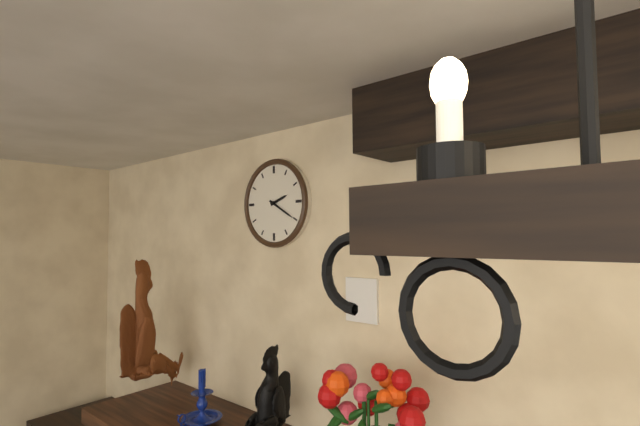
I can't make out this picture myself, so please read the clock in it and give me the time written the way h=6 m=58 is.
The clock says h=2 m=20
